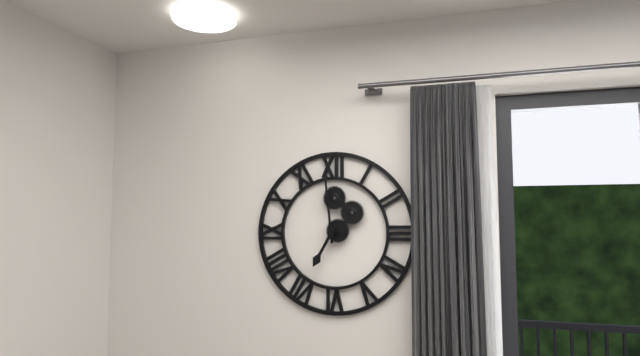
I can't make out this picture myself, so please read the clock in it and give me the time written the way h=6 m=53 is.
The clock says h=6 m=59
